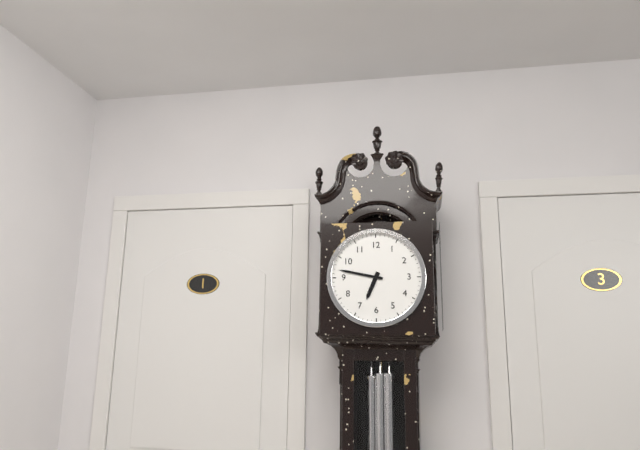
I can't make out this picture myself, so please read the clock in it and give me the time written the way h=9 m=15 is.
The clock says h=6 m=47
